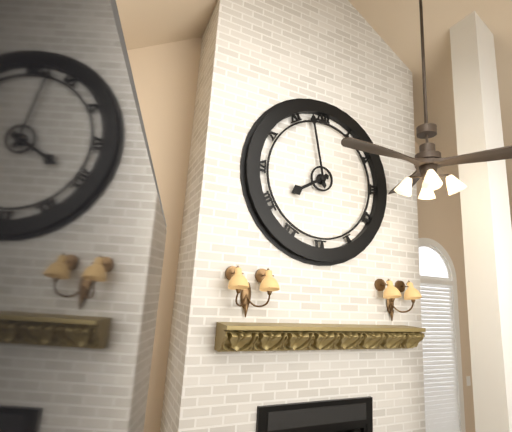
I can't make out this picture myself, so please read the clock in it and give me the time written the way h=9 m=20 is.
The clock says h=7 m=58
